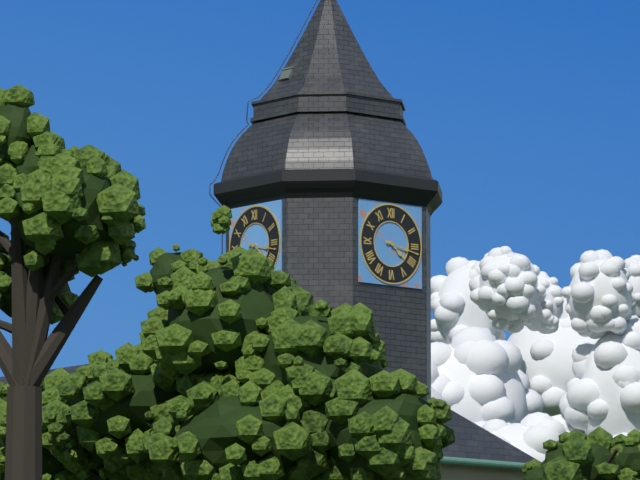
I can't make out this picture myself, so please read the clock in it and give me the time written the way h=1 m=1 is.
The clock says h=4 m=17
